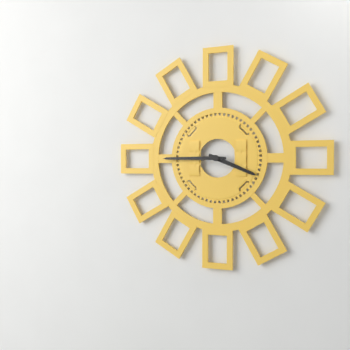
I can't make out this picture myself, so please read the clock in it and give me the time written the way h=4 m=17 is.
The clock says h=3 m=45
